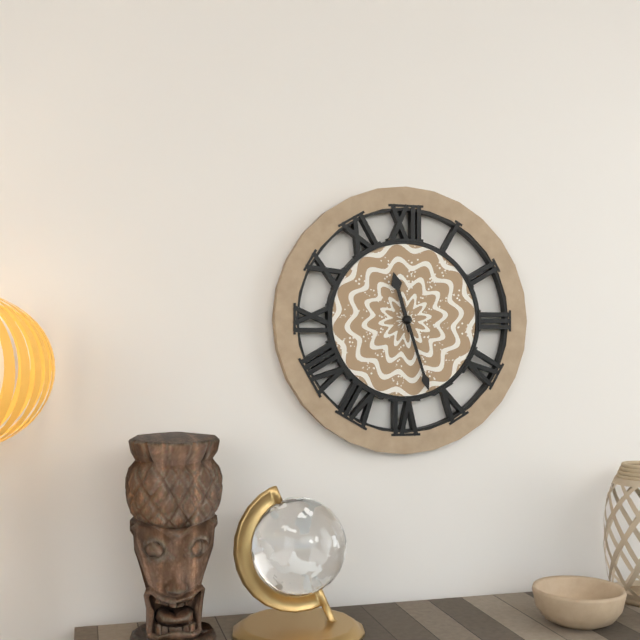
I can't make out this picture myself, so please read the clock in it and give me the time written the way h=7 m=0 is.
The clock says h=11 m=27
